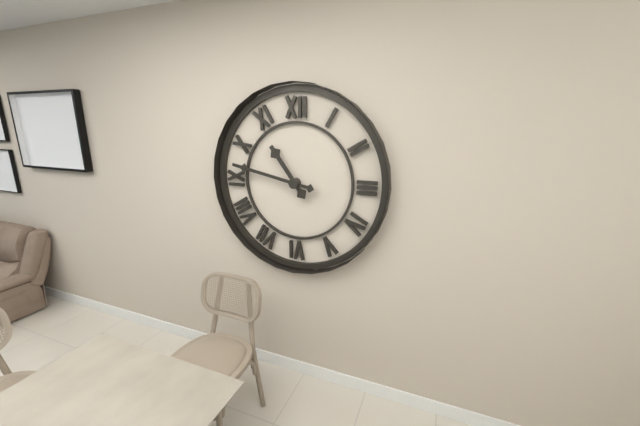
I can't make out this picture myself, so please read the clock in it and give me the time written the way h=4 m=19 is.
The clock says h=10 m=47
